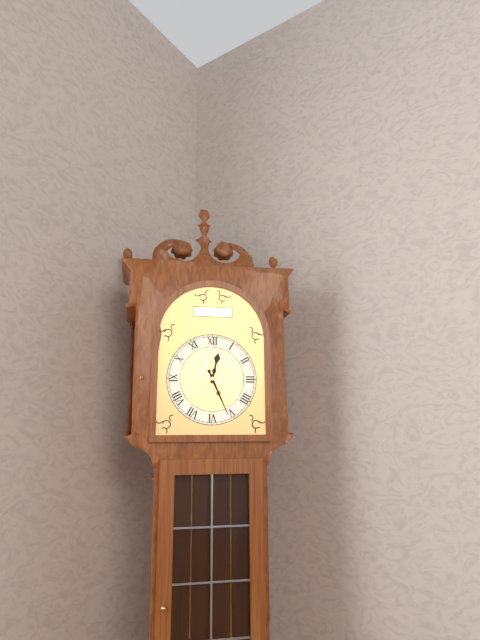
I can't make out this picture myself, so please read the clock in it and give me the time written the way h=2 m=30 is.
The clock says h=12 m=26
